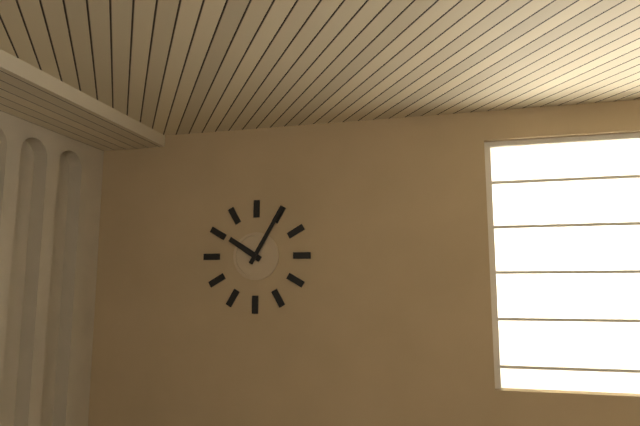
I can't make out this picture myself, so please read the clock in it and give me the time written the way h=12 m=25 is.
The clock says h=10 m=5
